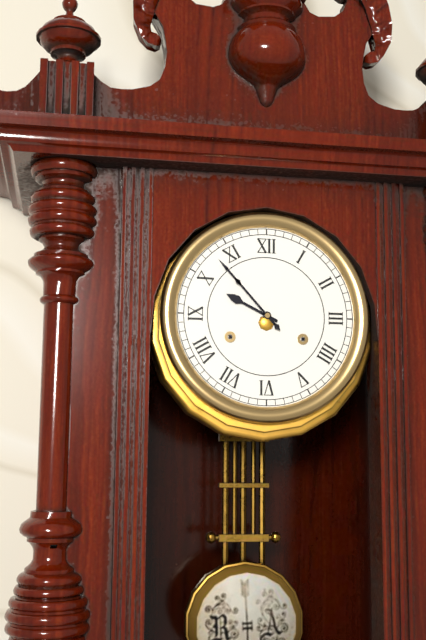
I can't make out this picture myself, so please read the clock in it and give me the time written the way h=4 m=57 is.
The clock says h=9 m=53
